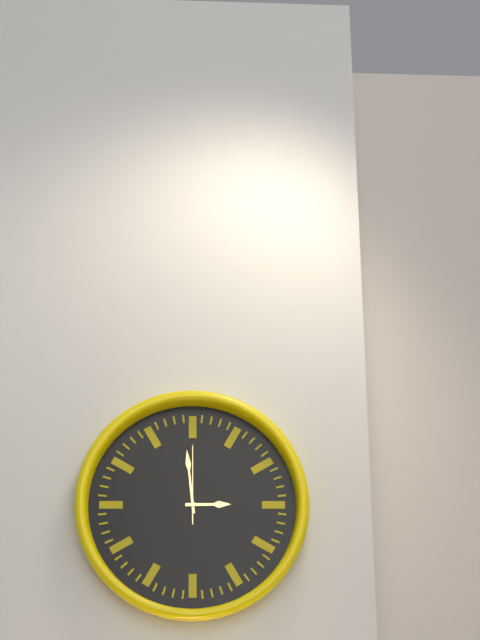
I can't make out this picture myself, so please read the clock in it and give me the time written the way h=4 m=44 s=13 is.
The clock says h=2 m=59 s=0
